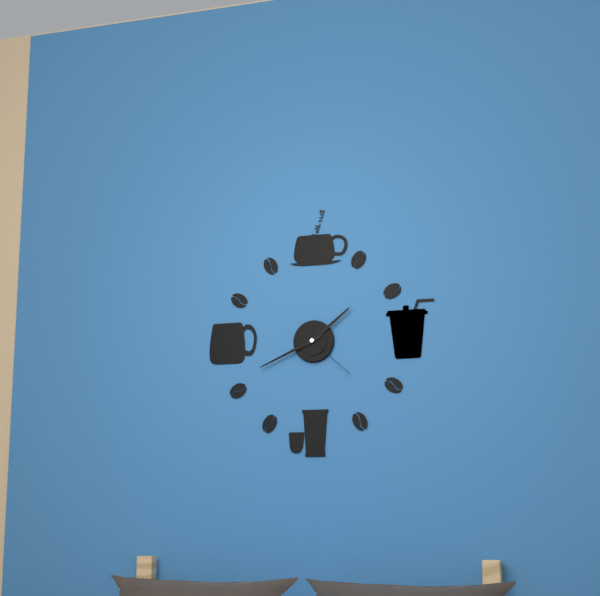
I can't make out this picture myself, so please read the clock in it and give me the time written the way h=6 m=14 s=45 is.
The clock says h=1 m=41 s=22
